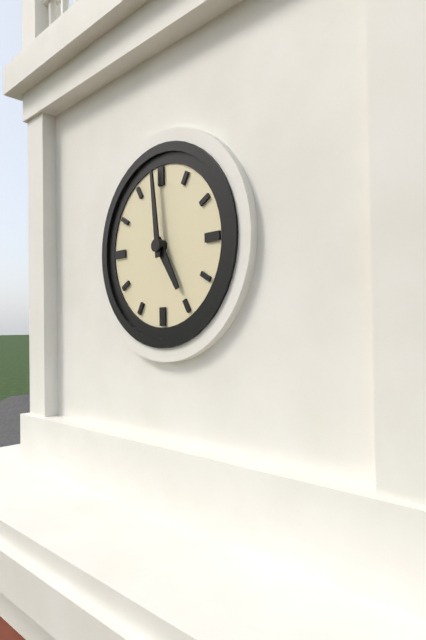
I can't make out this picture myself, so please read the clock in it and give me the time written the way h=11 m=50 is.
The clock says h=4 m=59
